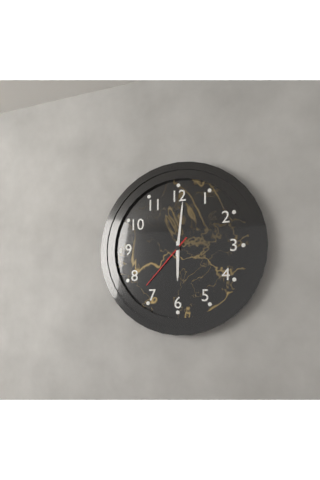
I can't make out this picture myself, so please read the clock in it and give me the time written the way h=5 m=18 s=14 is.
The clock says h=6 m=1 s=37
